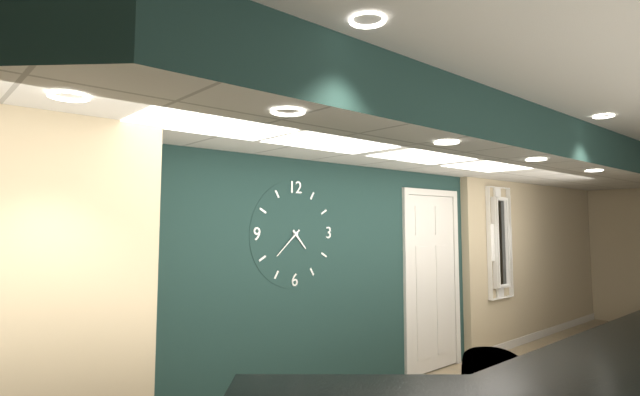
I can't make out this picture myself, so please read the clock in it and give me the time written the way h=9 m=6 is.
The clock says h=4 m=38
